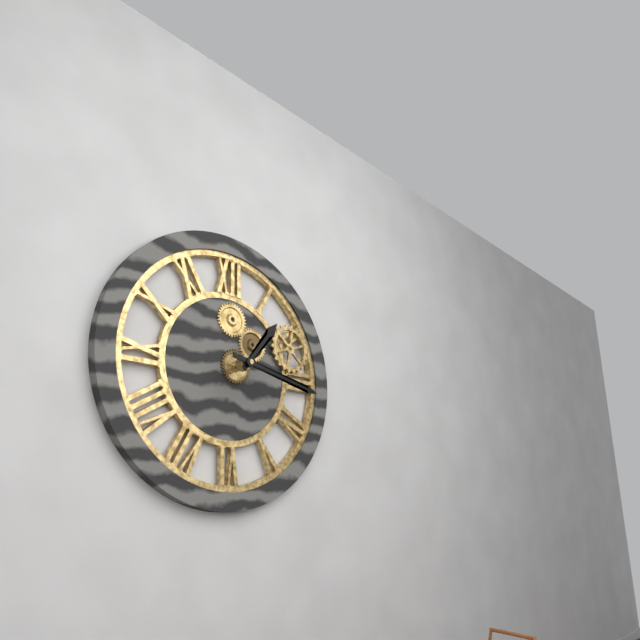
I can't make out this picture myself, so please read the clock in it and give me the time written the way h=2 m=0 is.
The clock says h=1 m=17
